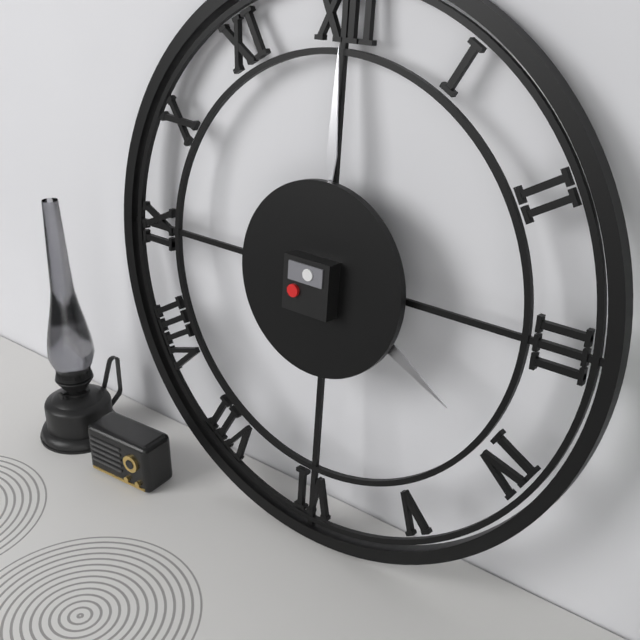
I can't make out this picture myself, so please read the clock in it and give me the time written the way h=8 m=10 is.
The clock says h=4 m=0
